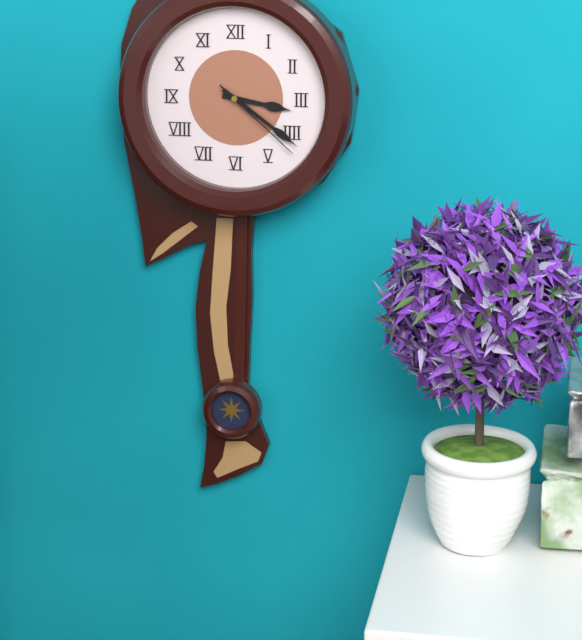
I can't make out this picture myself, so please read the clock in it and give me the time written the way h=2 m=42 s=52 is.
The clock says h=3 m=21 s=22
